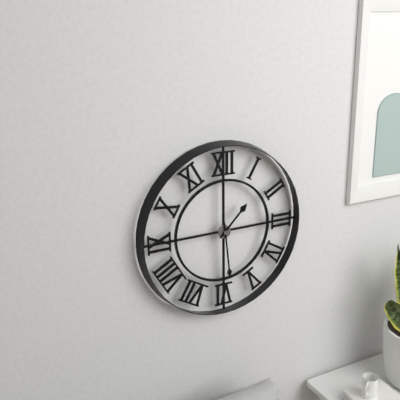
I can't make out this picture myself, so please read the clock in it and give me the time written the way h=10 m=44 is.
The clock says h=1 m=29
